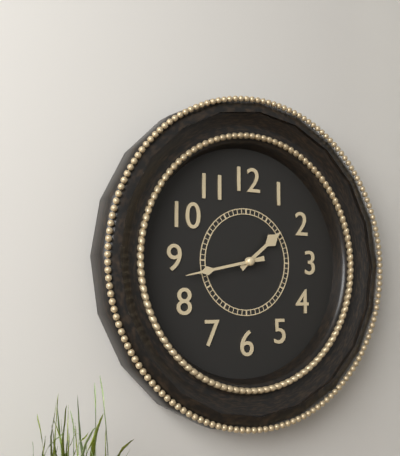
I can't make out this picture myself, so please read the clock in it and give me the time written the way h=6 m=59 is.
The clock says h=1 m=43
